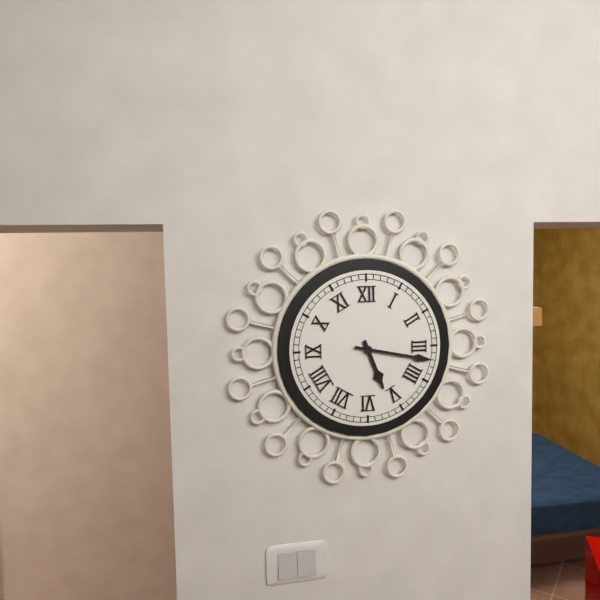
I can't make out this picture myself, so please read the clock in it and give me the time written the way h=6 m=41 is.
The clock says h=5 m=17
